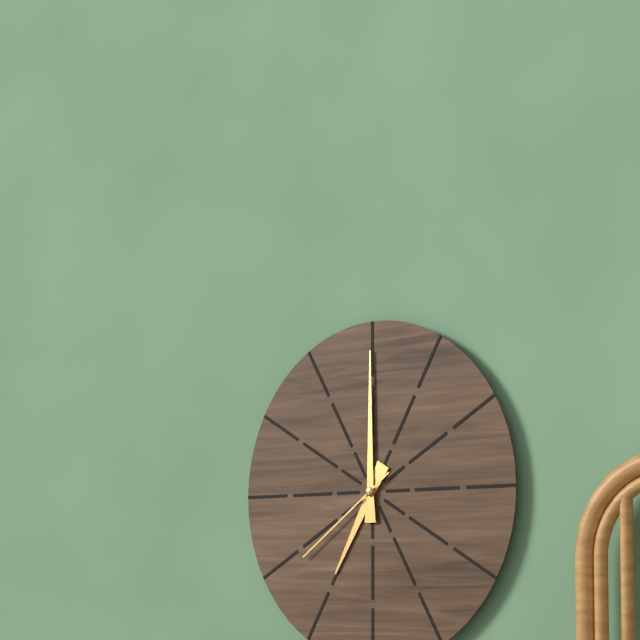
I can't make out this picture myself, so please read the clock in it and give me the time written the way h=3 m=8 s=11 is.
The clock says h=7 m=0 s=39
